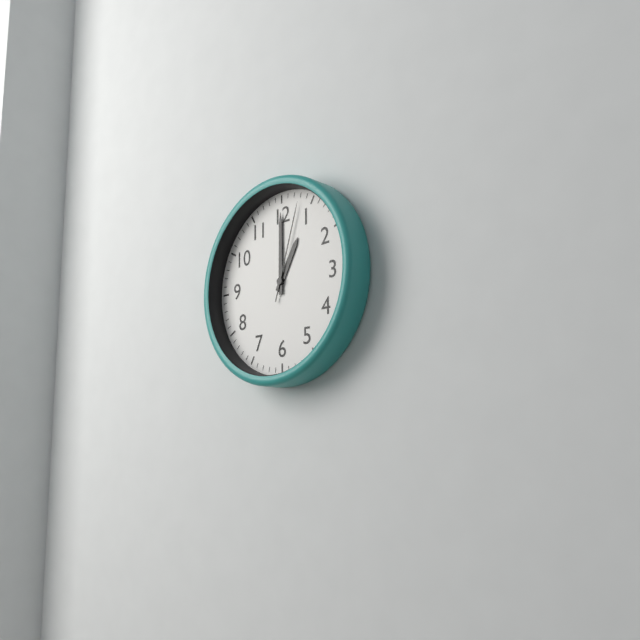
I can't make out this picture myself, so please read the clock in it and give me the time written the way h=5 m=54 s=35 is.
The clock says h=1 m=0 s=3
